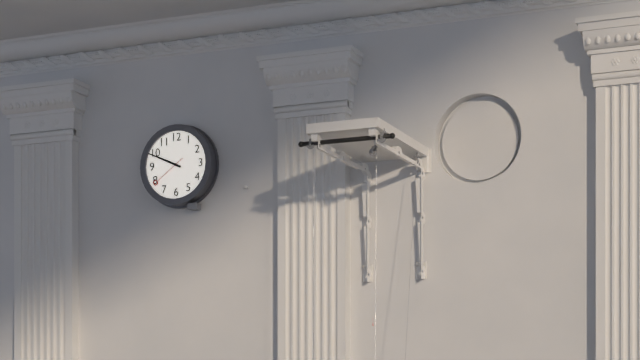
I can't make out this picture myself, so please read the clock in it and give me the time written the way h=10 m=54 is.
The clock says h=9 m=49
